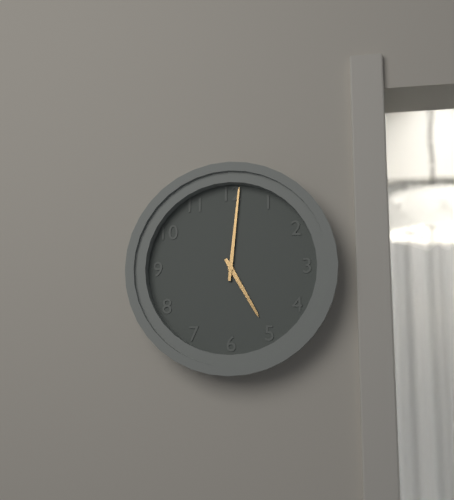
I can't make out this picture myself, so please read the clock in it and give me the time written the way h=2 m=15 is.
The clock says h=5 m=1
